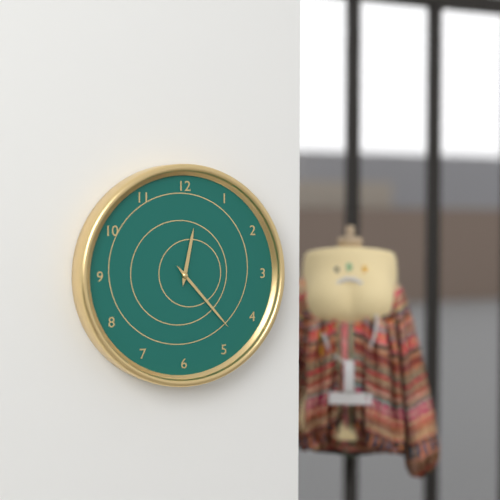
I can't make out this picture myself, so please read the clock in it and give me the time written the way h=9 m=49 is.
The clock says h=12 m=23
